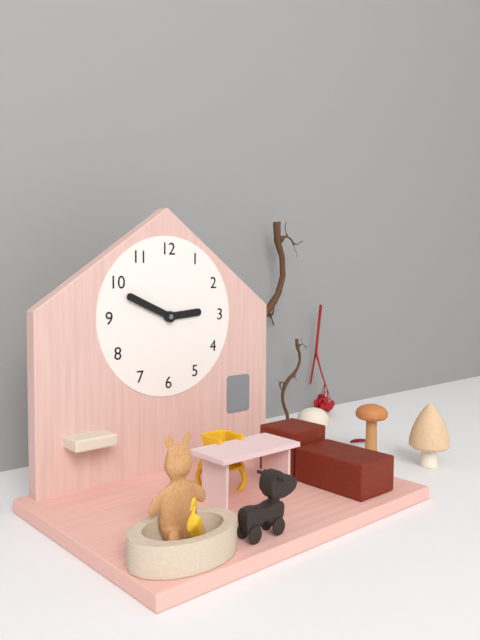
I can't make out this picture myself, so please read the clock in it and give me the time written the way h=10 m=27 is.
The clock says h=2 m=49
